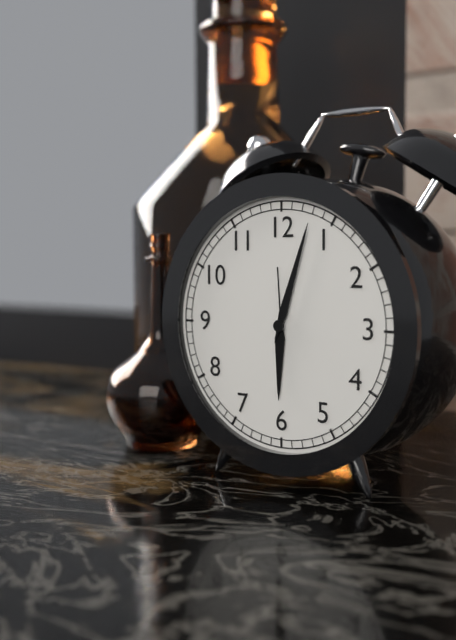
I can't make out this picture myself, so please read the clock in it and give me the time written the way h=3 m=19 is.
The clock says h=6 m=3
